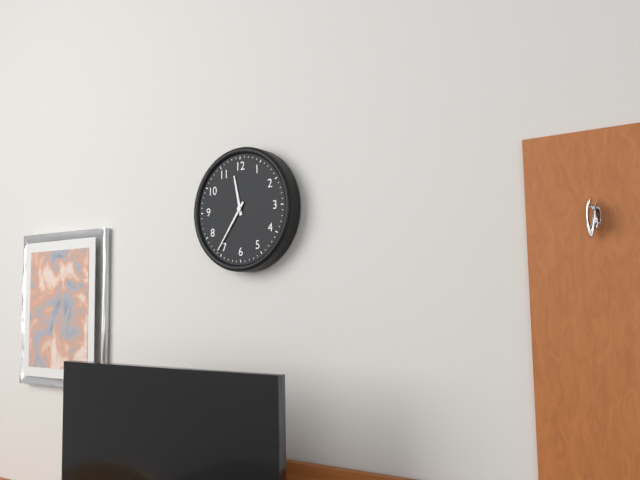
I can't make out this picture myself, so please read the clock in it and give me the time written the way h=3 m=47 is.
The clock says h=11 m=36
